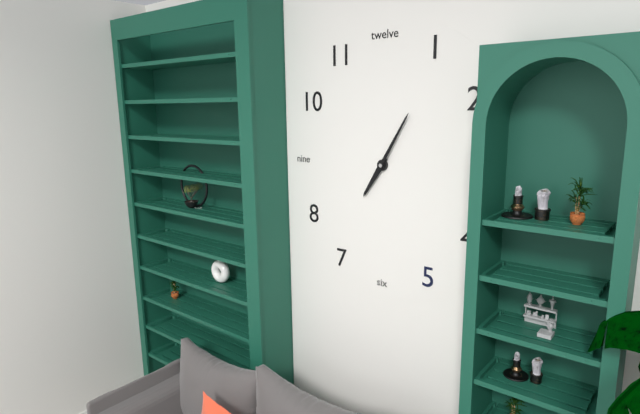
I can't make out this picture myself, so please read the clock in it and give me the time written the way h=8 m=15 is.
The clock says h=7 m=5
